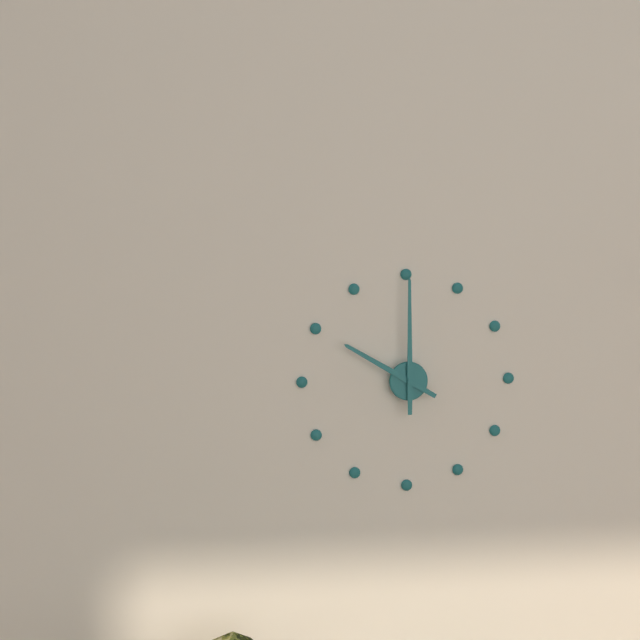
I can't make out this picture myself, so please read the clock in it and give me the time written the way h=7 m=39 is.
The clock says h=10 m=0
